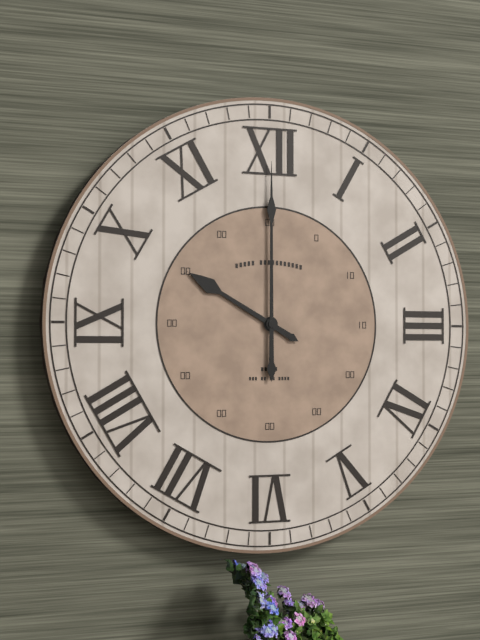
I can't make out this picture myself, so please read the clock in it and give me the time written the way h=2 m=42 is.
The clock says h=10 m=0
